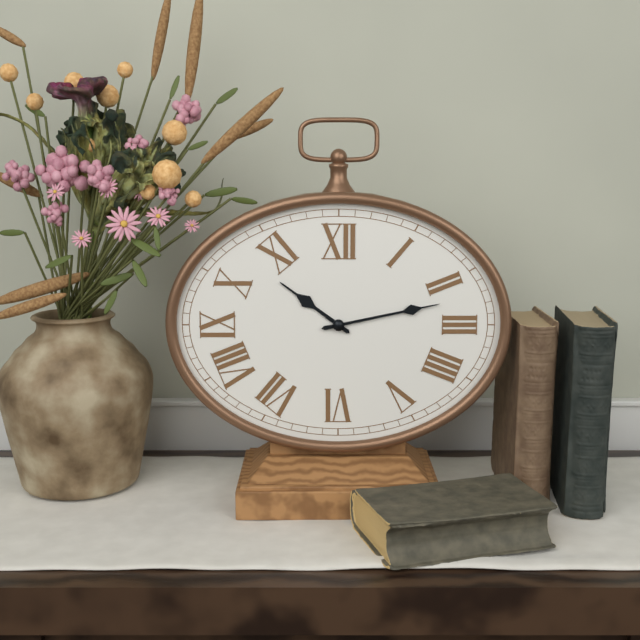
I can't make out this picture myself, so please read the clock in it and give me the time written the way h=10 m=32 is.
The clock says h=10 m=13
